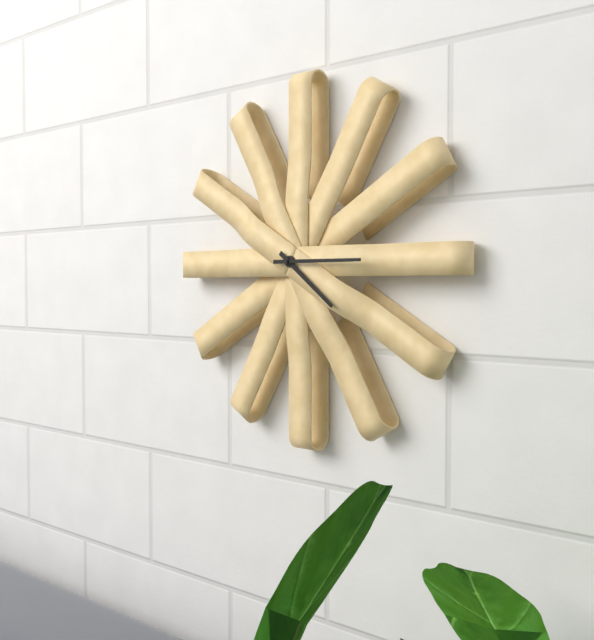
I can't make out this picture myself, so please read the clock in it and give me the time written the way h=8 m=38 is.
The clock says h=4 m=15
